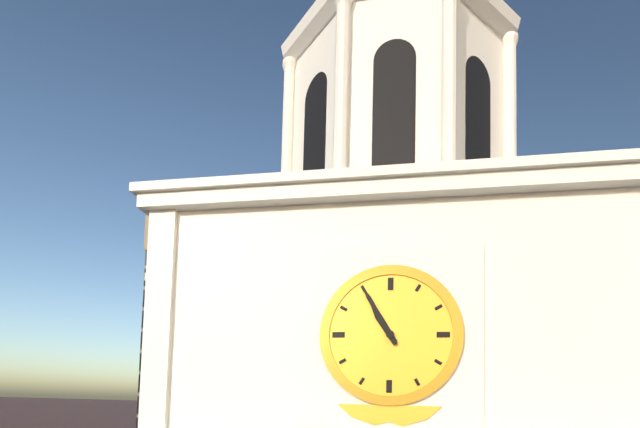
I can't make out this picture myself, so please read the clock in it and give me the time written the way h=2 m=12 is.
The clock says h=10 m=55
